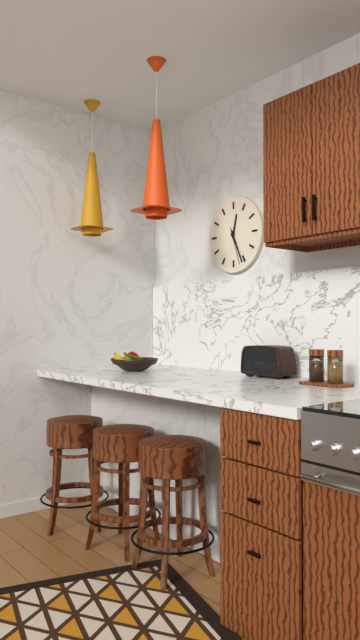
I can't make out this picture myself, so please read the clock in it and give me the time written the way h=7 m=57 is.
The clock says h=12 m=26
